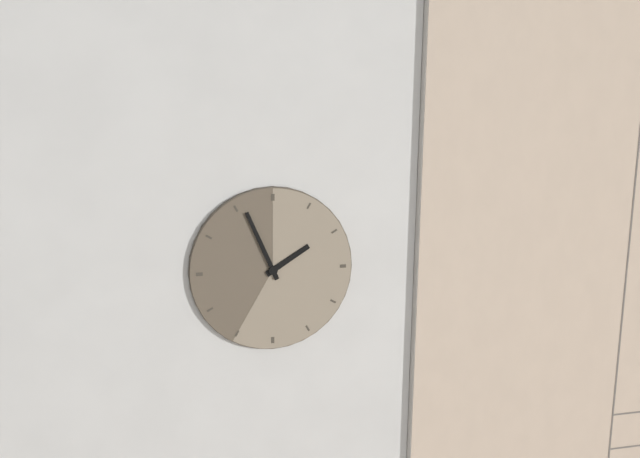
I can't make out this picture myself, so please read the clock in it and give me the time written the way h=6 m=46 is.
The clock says h=1 m=56
